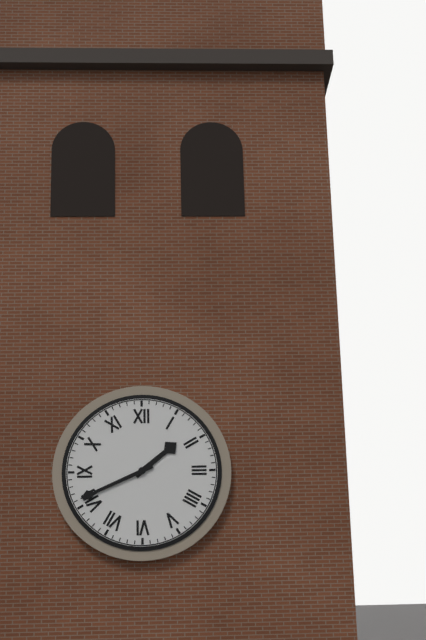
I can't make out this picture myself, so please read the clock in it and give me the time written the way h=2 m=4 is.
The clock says h=1 m=41
